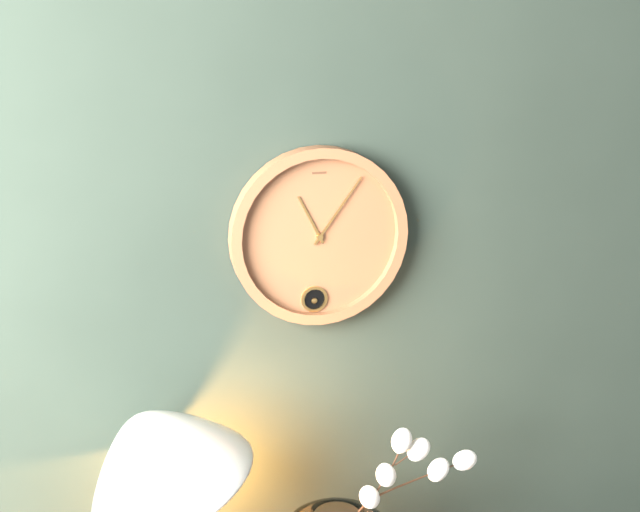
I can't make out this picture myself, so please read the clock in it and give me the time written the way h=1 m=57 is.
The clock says h=11 m=6
